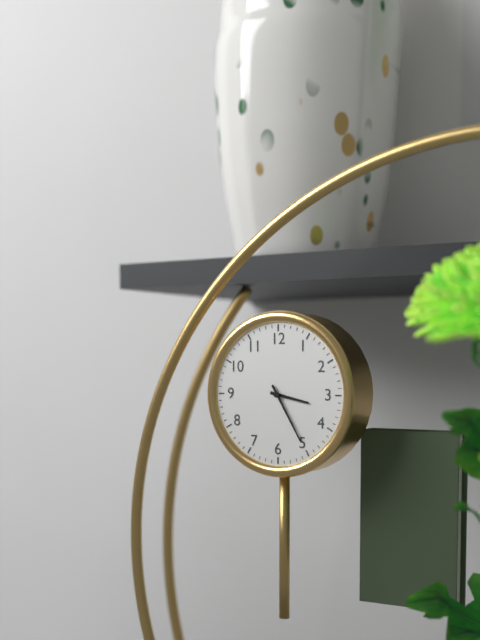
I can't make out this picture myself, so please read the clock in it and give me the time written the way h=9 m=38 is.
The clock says h=3 m=25
